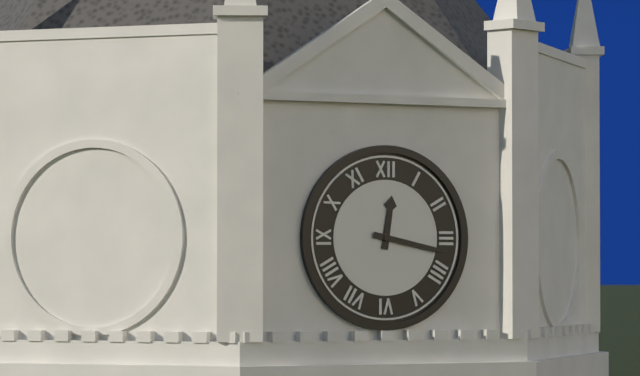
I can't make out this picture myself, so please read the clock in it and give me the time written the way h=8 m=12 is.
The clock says h=12 m=17
